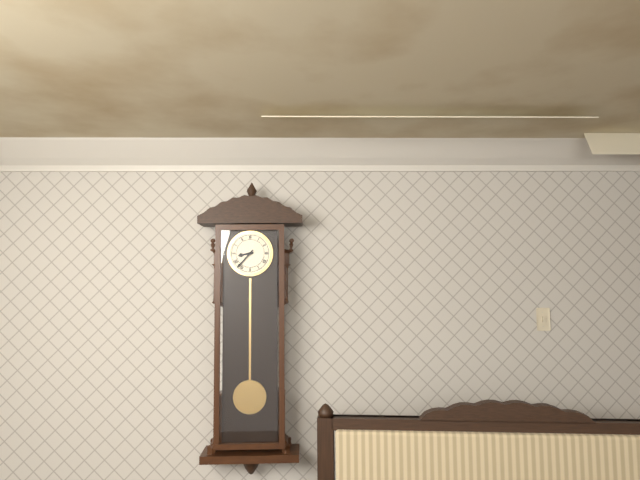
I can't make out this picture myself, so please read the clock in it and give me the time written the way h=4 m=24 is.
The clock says h=8 m=37
